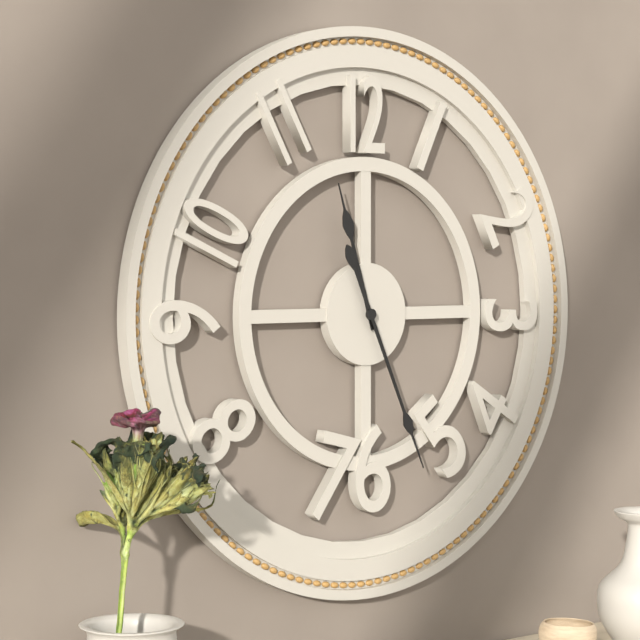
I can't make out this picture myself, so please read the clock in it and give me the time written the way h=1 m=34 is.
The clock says h=11 m=26
